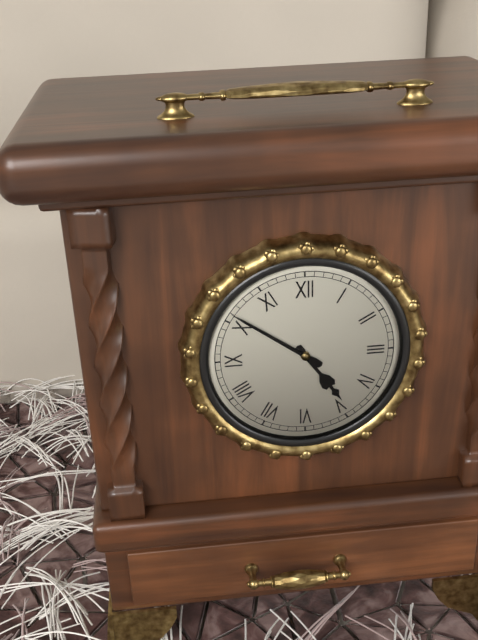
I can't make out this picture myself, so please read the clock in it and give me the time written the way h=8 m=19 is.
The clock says h=4 m=51
